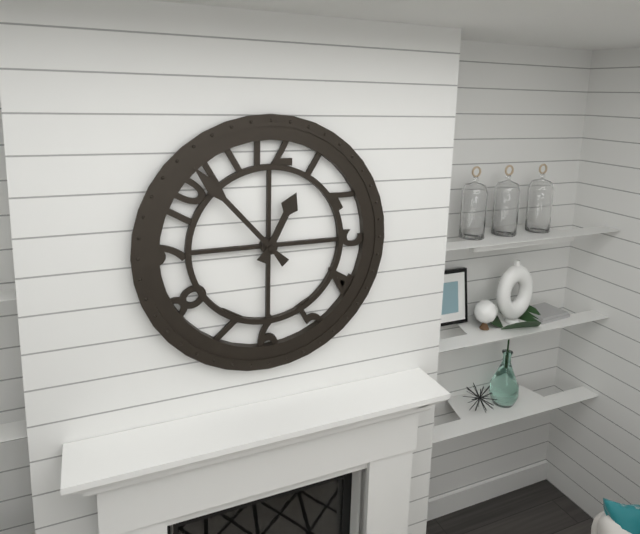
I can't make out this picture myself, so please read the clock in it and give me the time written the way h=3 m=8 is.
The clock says h=12 m=53
